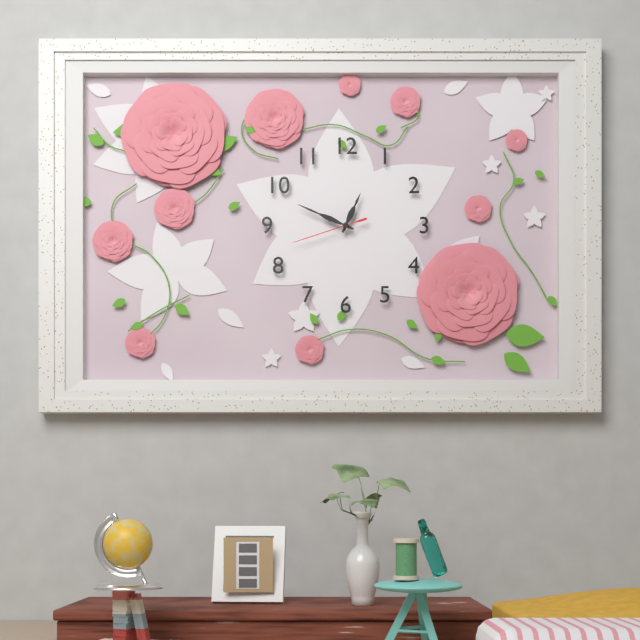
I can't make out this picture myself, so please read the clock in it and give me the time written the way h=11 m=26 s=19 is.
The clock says h=12 m=49 s=42
